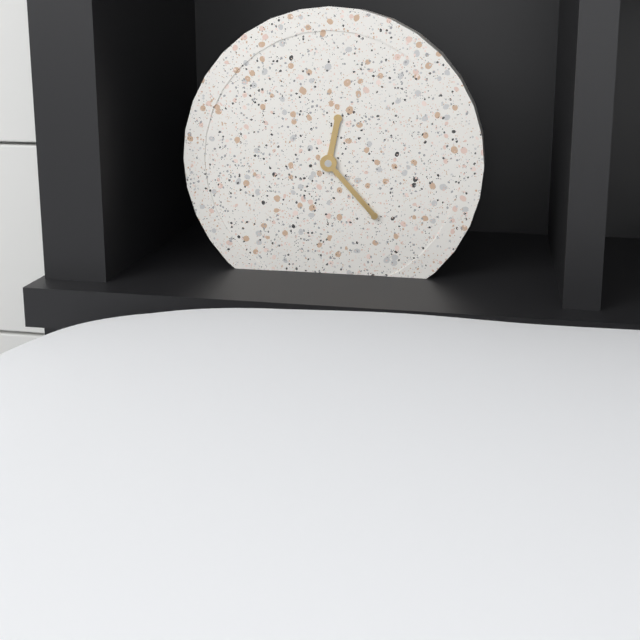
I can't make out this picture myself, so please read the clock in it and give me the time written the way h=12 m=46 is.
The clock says h=12 m=23
